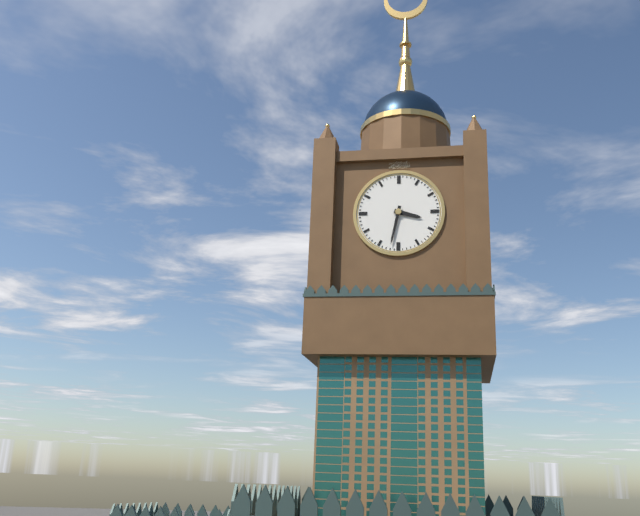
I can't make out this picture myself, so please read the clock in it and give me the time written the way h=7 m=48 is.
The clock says h=3 m=32
